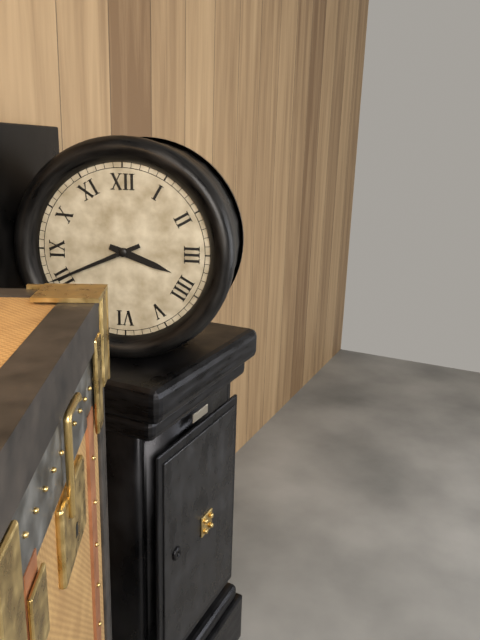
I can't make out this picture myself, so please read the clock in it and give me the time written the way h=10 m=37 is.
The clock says h=3 m=41
